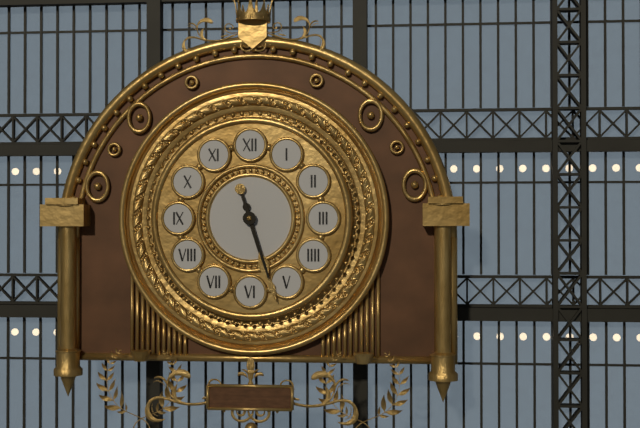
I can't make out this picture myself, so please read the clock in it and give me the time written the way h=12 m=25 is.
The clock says h=5 m=27
